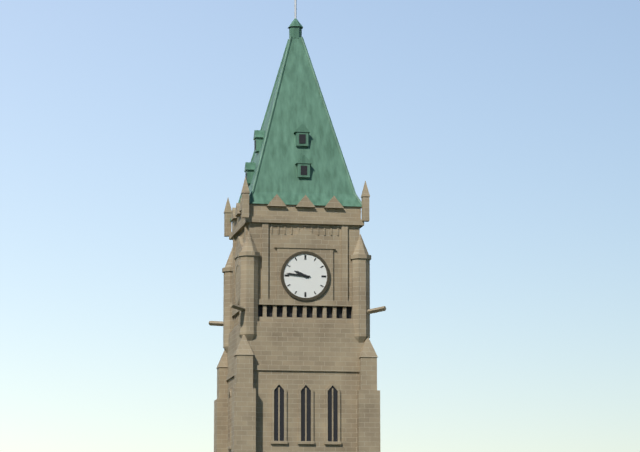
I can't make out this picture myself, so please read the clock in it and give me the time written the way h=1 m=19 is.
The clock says h=9 m=46
